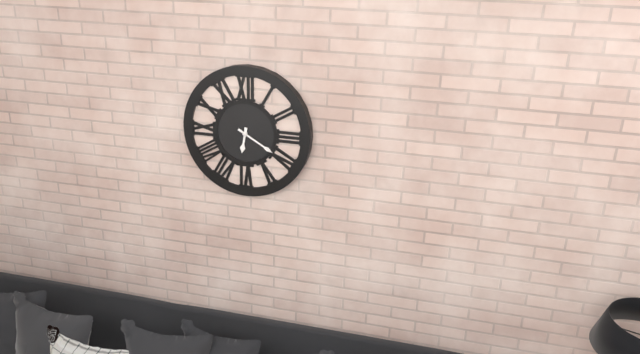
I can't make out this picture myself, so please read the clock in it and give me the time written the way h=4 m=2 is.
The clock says h=6 m=20
